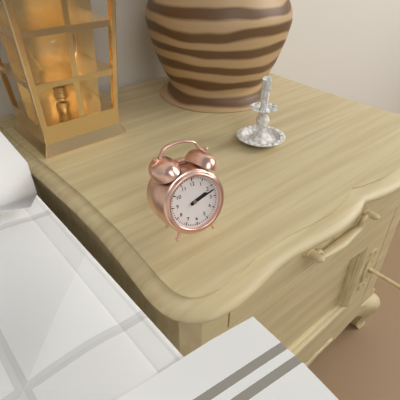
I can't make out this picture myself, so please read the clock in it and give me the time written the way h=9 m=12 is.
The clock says h=2 m=12
